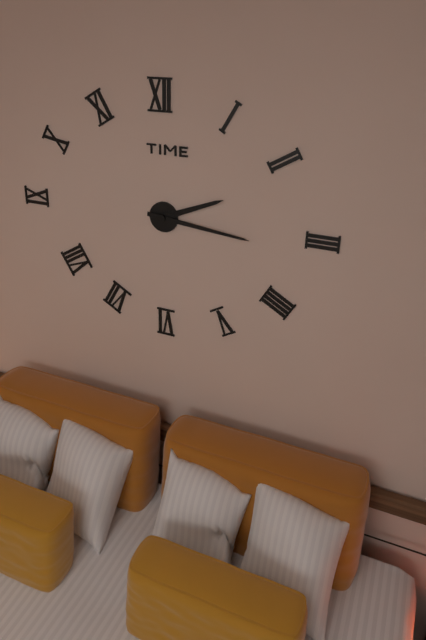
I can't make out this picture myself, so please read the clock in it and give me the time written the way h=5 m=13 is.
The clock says h=2 m=16
